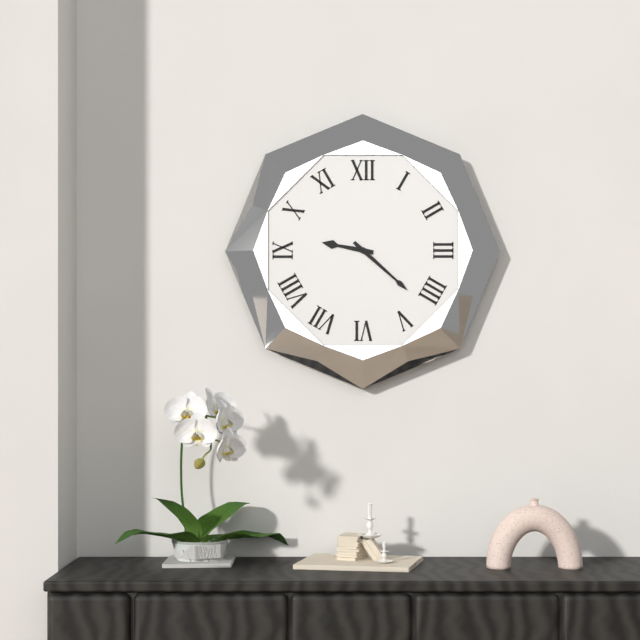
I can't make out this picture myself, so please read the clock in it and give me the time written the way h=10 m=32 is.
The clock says h=9 m=22
